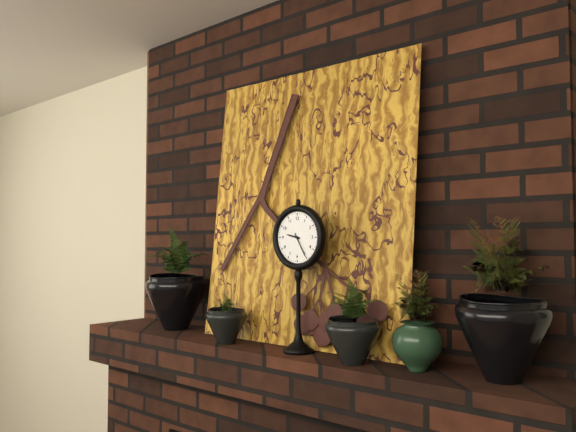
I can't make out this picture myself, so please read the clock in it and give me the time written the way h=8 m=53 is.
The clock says h=9 m=25
